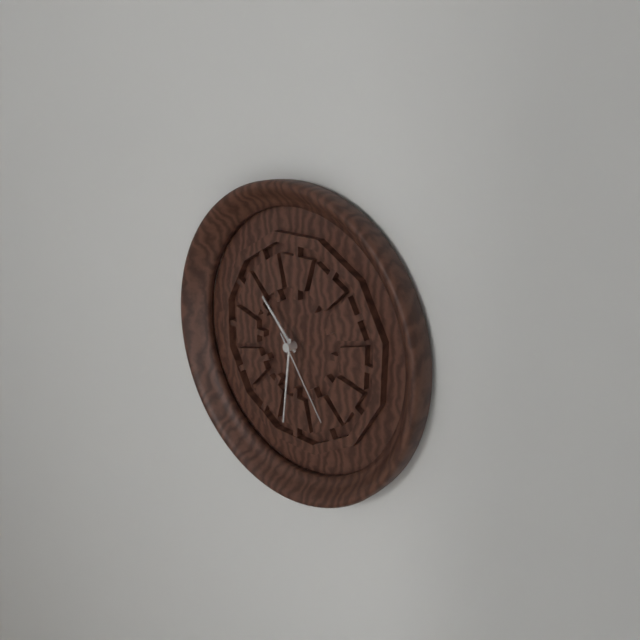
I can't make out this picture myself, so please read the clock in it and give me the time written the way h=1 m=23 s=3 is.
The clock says h=10 m=31 s=24
